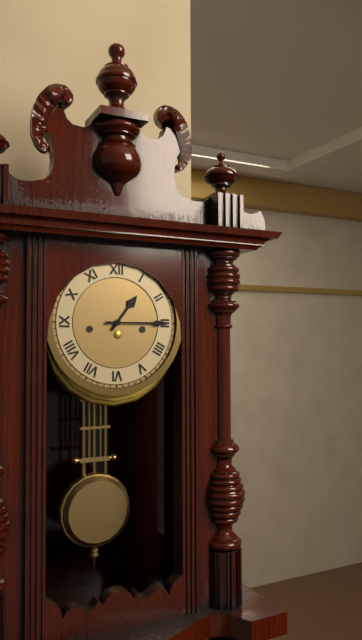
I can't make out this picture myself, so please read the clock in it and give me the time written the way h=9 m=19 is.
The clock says h=1 m=15
